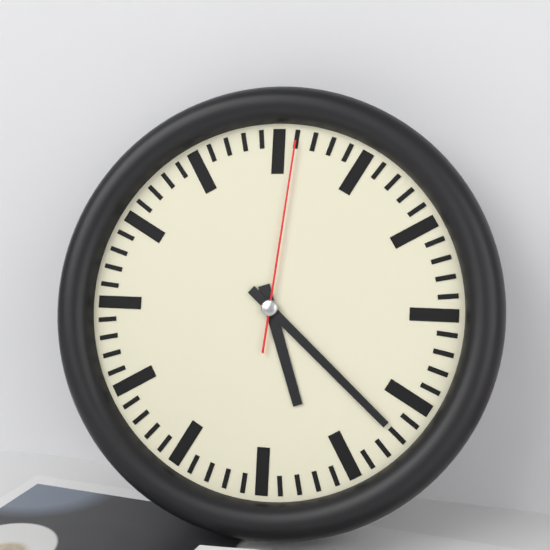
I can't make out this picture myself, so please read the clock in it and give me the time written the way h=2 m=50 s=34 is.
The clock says h=5 m=22 s=1
